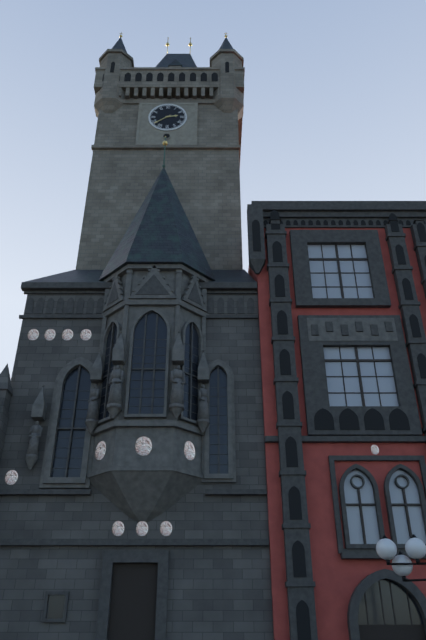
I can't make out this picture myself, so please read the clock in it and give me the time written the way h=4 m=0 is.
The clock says h=2 m=39
